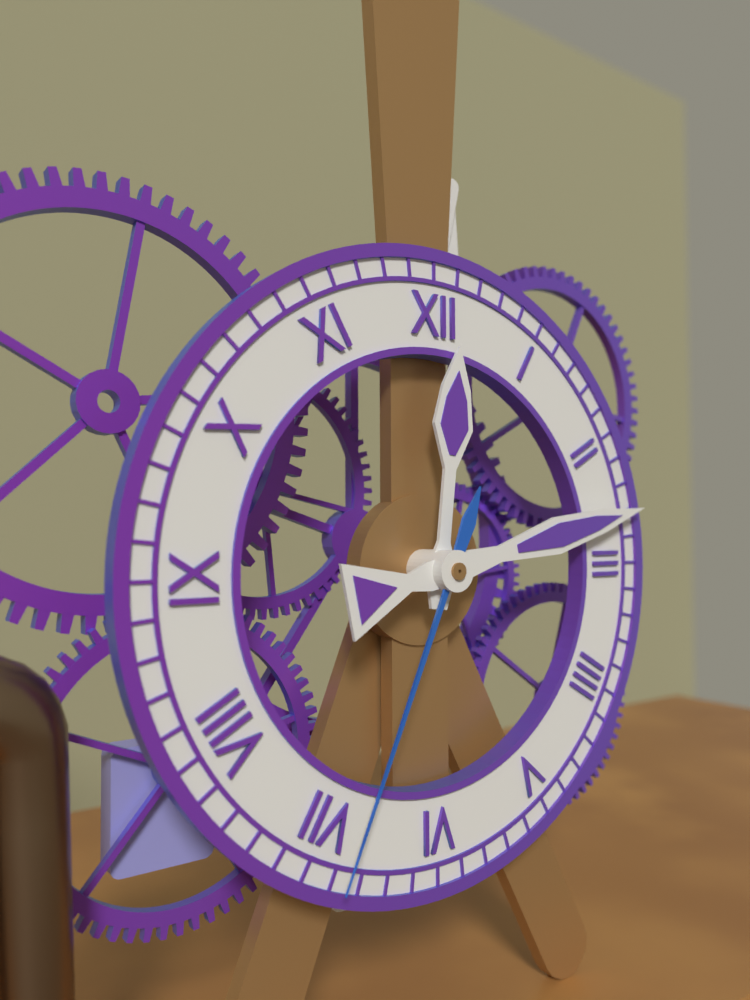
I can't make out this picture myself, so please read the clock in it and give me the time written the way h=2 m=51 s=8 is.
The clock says h=12 m=13 s=34
